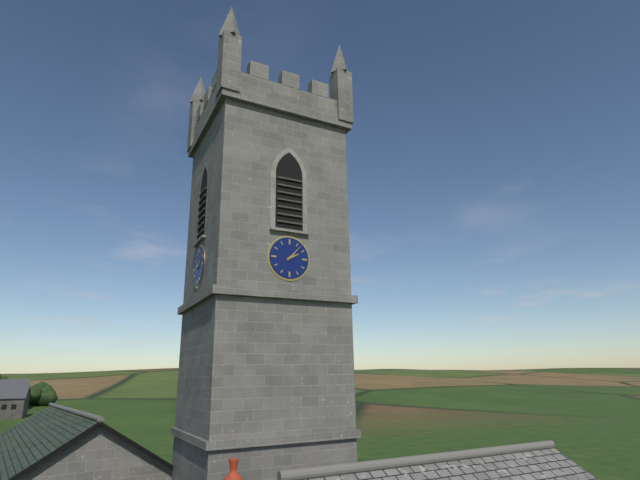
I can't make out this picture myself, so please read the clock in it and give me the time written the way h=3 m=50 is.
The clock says h=2 m=7
